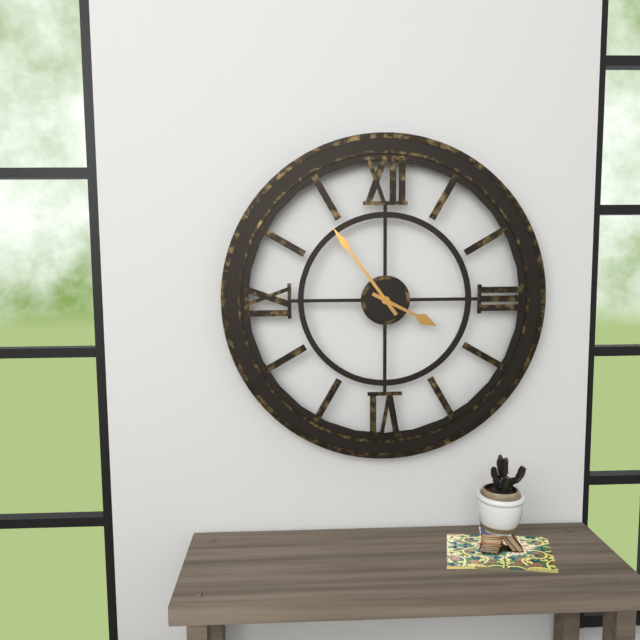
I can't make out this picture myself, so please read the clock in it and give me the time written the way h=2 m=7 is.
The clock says h=3 m=54
